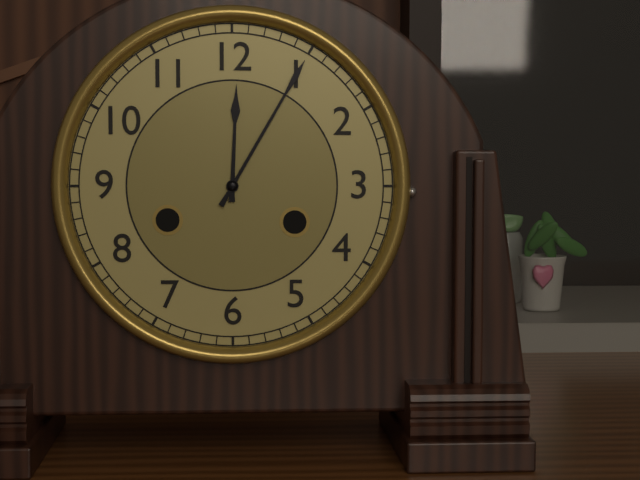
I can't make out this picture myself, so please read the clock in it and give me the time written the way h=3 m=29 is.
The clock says h=12 m=5
